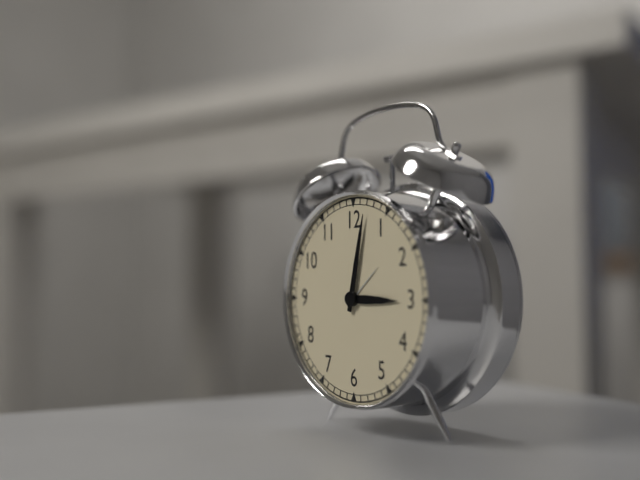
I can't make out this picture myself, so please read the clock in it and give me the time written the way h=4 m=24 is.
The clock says h=3 m=2
